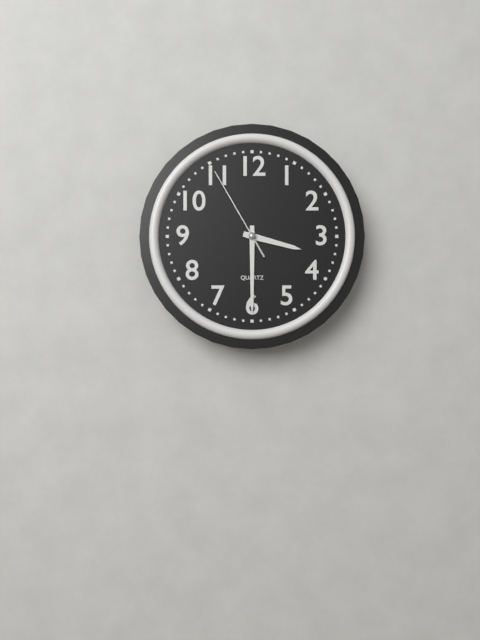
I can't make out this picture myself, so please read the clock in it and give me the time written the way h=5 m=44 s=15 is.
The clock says h=3 m=30 s=55
